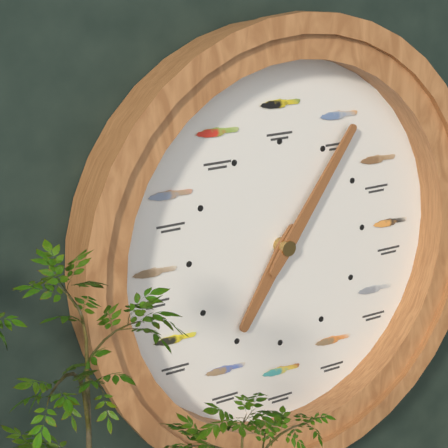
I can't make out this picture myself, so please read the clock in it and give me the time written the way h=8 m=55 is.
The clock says h=7 m=6
